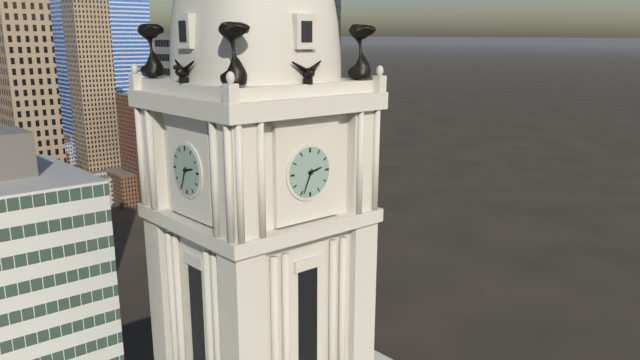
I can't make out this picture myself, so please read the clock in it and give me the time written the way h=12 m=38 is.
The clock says h=2 m=34
